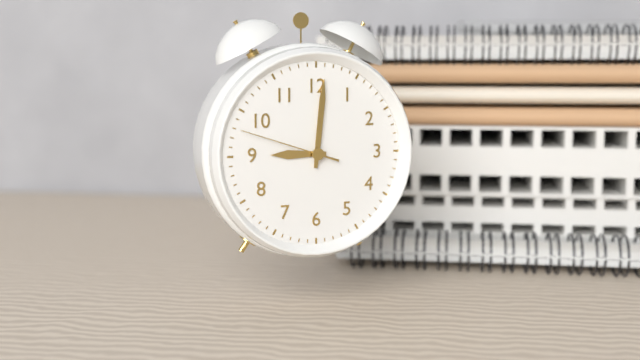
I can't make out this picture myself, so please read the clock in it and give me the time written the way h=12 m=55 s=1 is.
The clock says h=9 m=1 s=48
